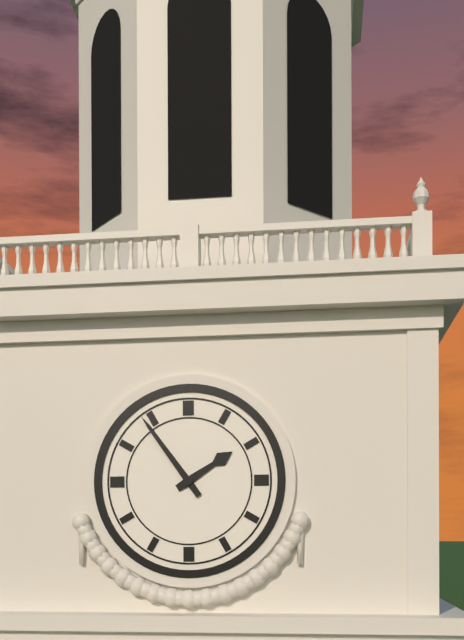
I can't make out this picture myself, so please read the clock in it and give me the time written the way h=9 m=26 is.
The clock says h=1 m=54
